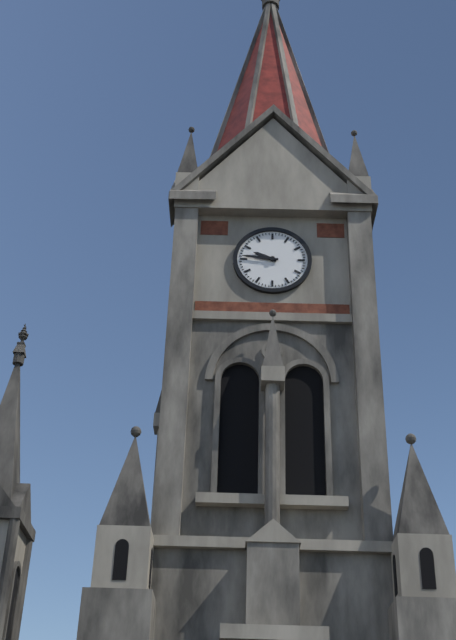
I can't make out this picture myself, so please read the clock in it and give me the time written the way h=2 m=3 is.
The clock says h=9 m=46
